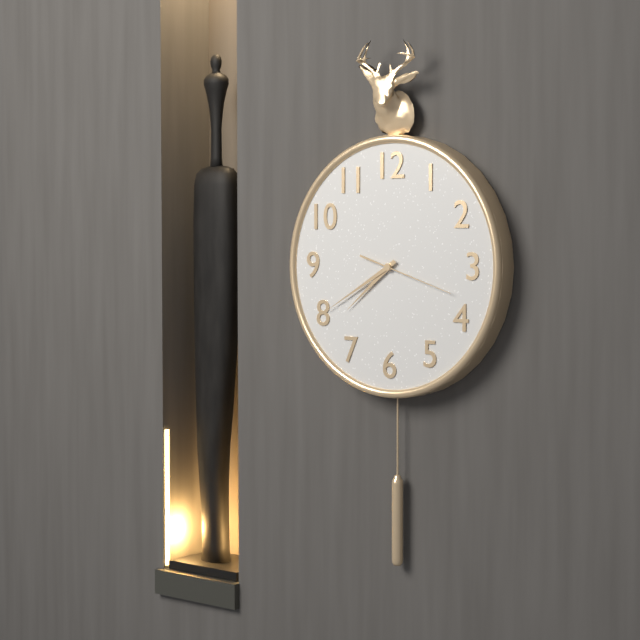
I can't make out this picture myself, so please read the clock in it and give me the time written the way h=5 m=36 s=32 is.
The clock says h=7 m=40 s=18
